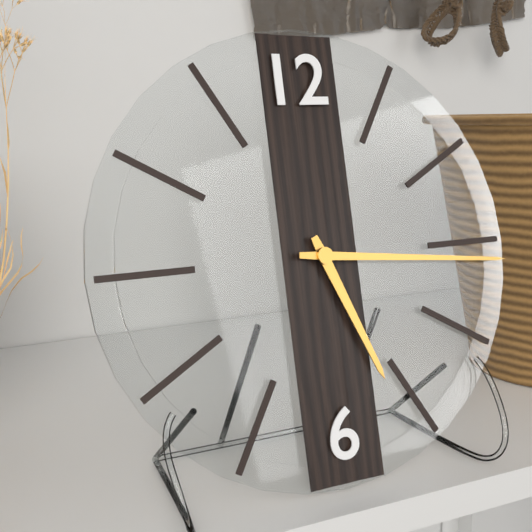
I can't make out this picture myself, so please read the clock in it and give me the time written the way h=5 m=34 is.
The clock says h=5 m=16
